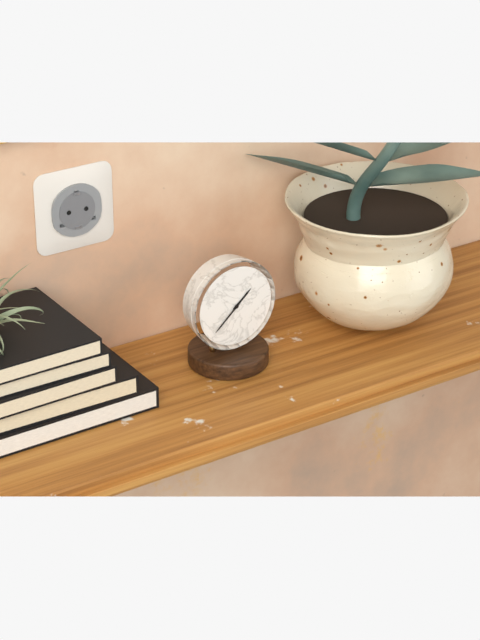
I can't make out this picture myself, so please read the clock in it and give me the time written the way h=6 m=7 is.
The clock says h=1 m=38
